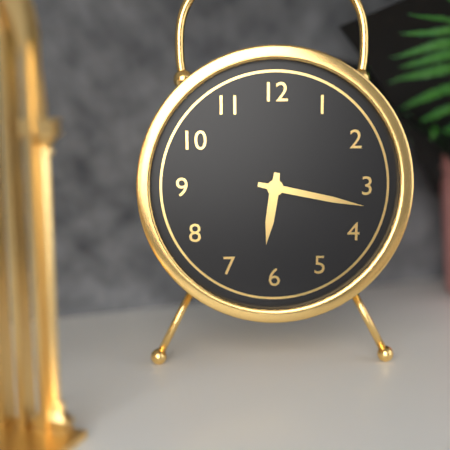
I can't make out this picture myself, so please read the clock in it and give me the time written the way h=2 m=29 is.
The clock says h=6 m=17
